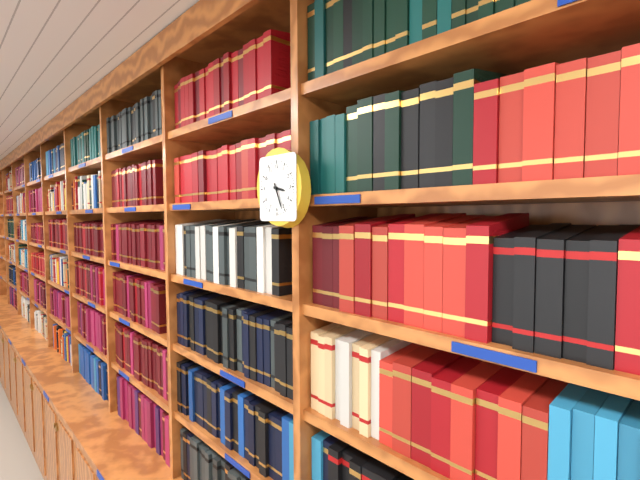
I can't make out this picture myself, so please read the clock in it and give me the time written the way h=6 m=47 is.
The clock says h=3 m=26
